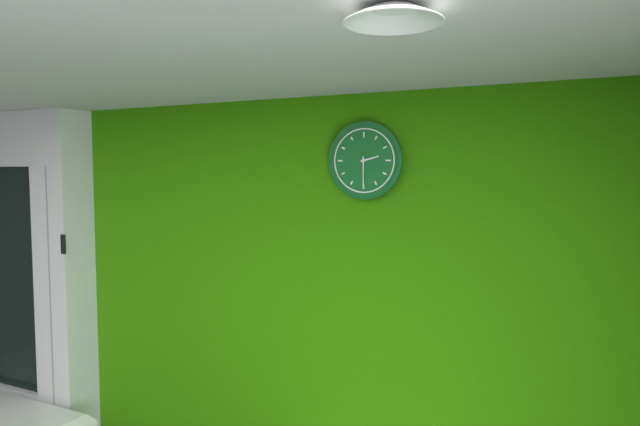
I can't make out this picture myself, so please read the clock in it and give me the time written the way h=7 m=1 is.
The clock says h=2 m=30
